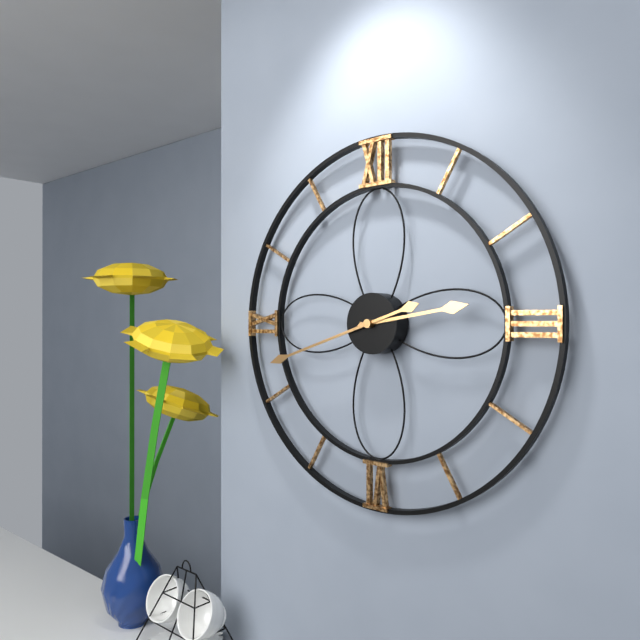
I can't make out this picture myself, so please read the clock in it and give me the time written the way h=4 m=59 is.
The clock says h=2 m=42
